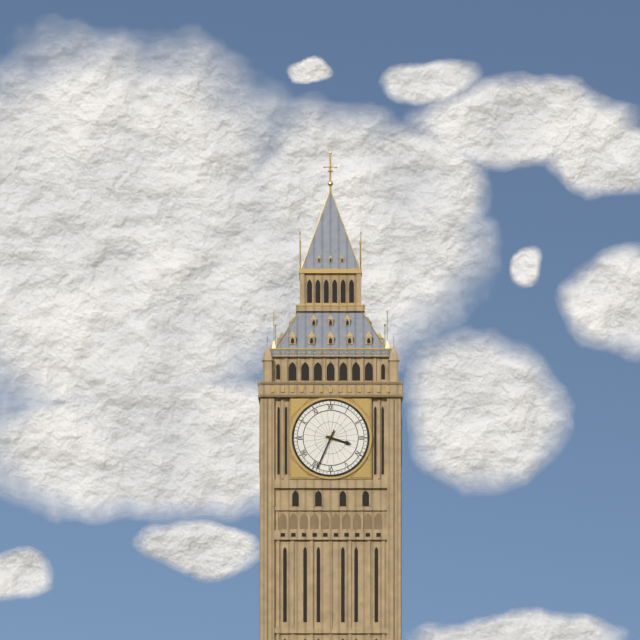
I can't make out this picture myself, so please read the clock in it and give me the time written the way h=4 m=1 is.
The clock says h=3 m=34
